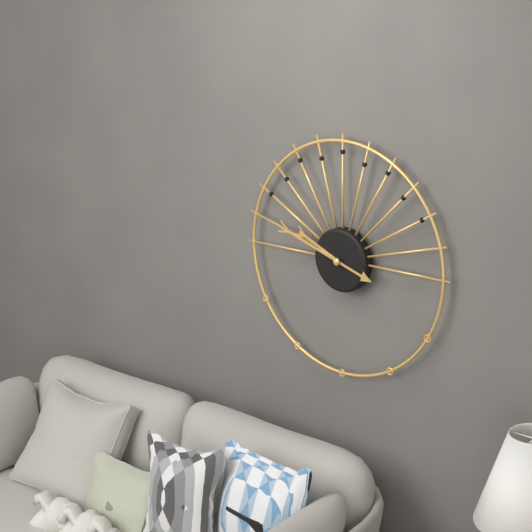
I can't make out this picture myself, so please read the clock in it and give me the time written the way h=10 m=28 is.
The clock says h=9 m=48
